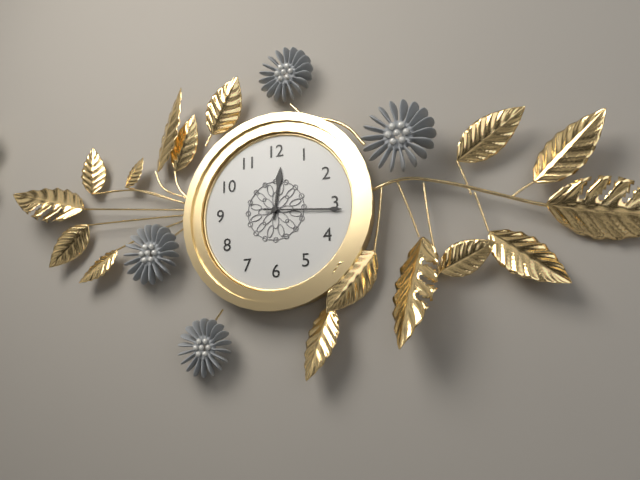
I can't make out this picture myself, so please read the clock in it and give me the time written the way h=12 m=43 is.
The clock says h=12 m=16
